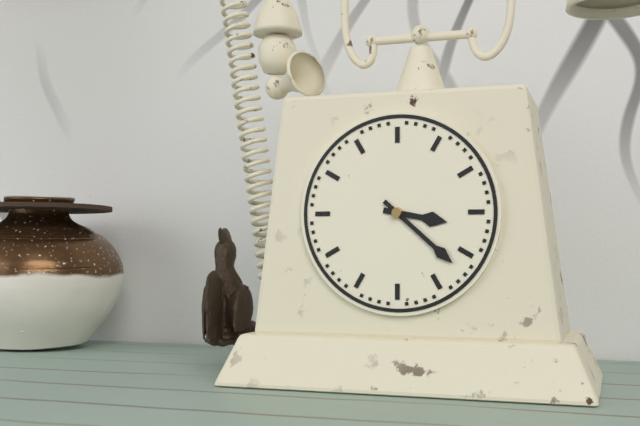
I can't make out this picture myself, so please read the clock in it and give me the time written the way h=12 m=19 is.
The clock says h=3 m=22
